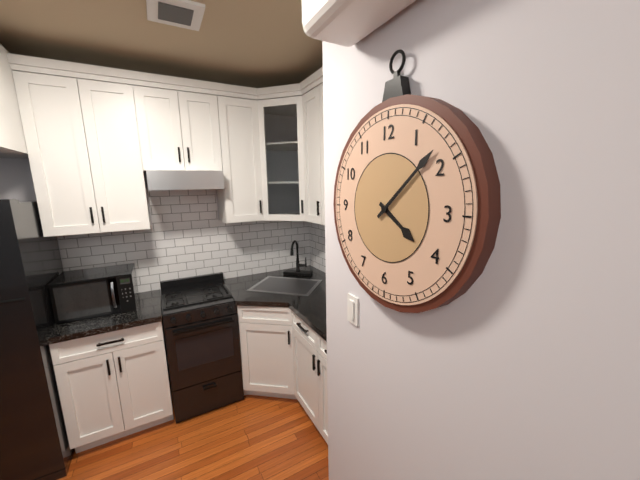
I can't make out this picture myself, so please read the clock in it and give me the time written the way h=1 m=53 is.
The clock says h=4 m=8
